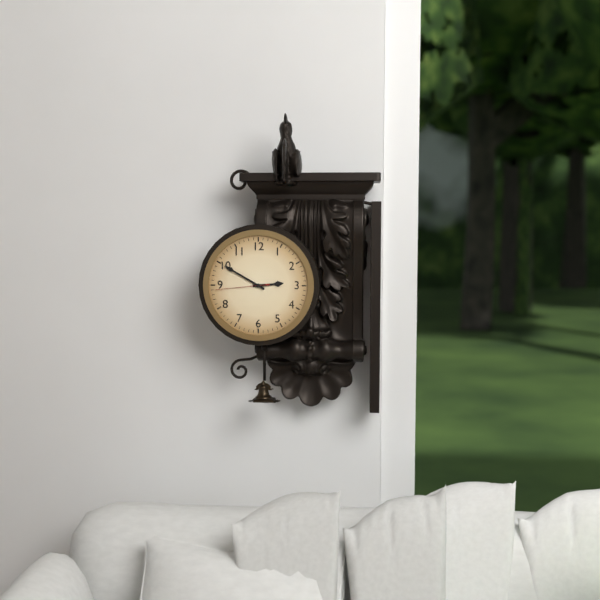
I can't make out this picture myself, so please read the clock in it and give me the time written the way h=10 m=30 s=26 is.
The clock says h=2 m=50 s=44
